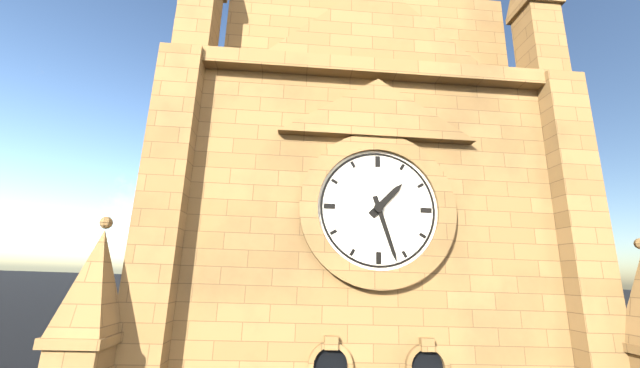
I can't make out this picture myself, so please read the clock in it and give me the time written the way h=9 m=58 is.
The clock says h=1 m=27
